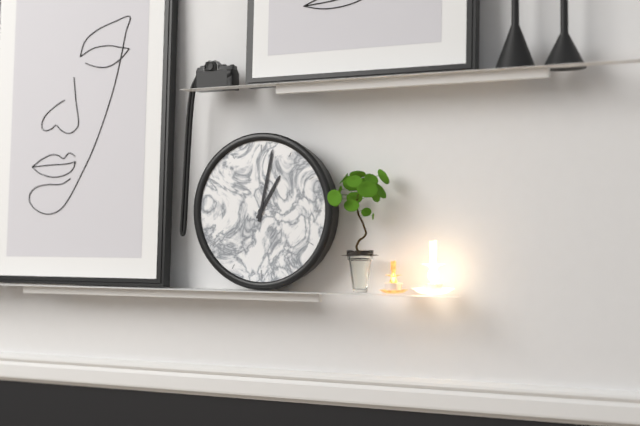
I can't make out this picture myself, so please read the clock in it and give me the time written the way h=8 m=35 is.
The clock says h=1 m=2
